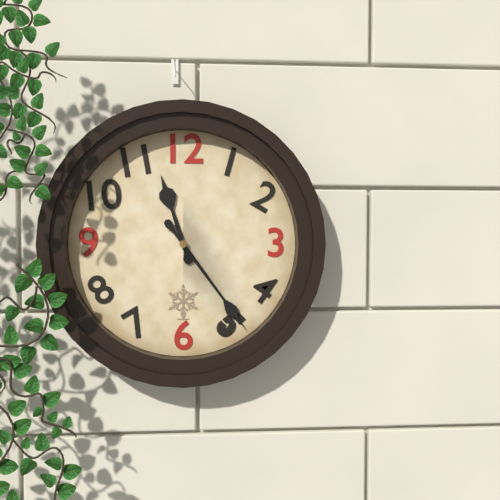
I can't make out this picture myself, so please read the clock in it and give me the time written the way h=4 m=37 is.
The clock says h=11 m=24
